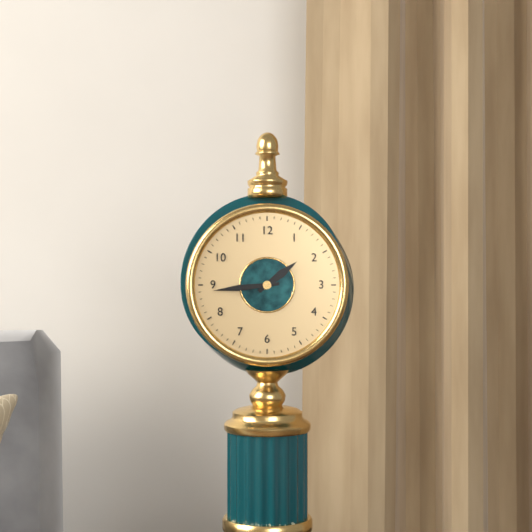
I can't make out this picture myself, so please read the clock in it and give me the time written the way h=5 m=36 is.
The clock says h=1 m=44
